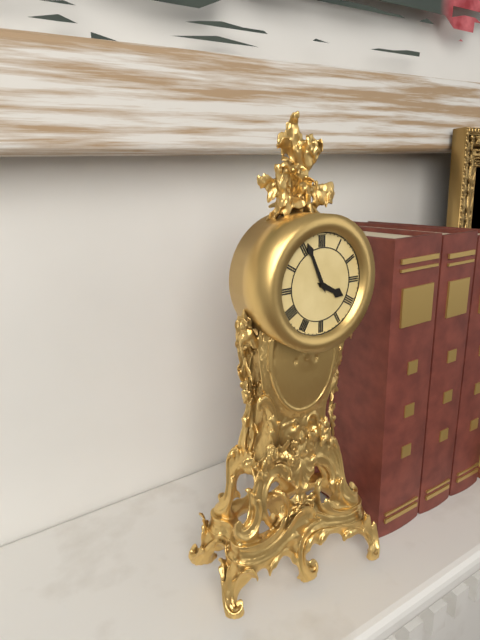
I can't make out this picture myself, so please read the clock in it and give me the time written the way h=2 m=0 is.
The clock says h=3 m=56
